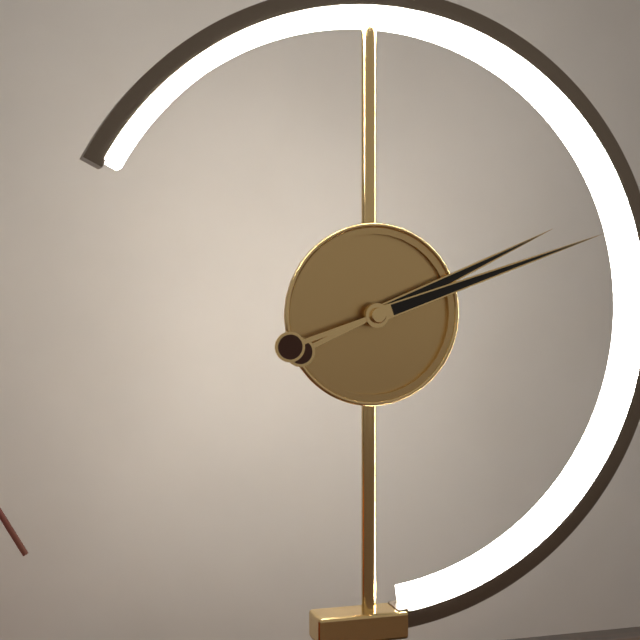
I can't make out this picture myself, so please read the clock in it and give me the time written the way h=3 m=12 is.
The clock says h=2 m=12
